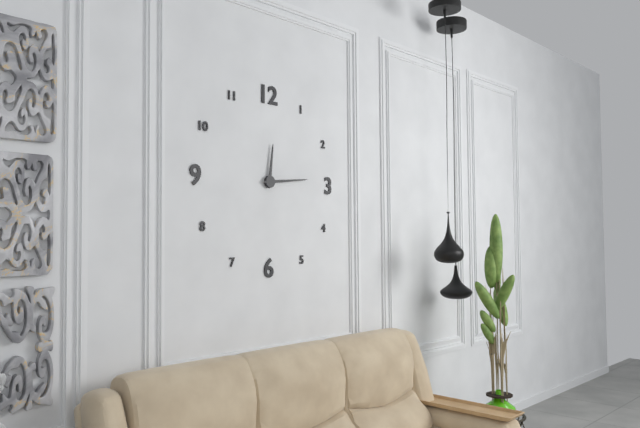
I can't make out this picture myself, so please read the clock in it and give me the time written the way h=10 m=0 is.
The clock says h=12 m=14
